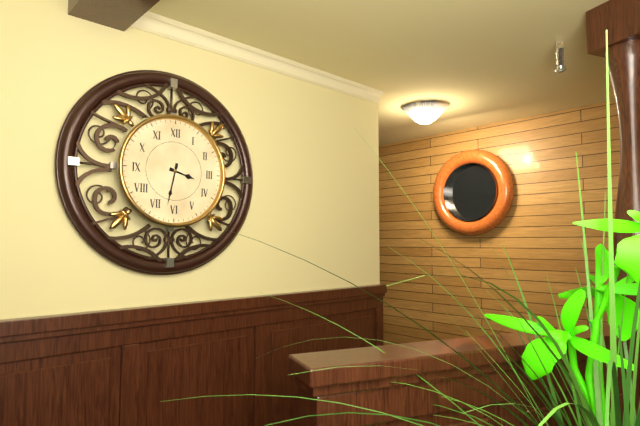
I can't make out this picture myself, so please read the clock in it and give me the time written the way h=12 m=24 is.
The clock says h=3 m=32
